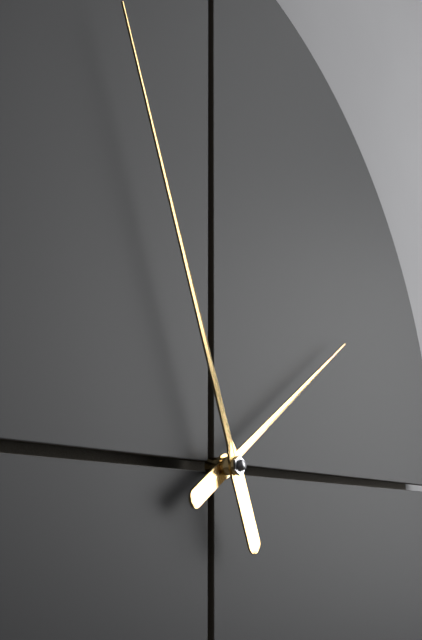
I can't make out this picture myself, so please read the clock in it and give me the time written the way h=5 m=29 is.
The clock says h=1 m=56
